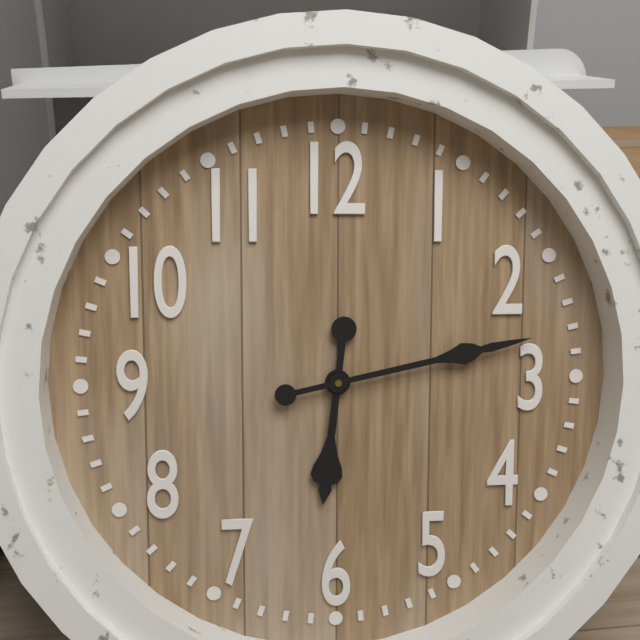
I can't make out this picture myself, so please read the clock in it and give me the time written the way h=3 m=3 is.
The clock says h=6 m=13
